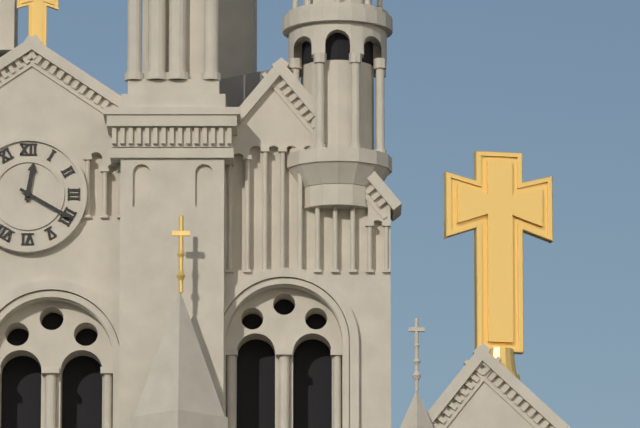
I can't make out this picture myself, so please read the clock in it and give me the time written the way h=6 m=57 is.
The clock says h=12 m=20
